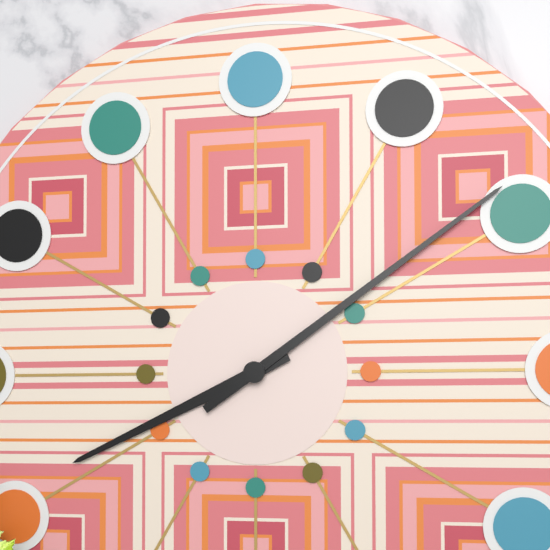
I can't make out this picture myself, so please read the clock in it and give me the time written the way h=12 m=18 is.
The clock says h=8 m=9
